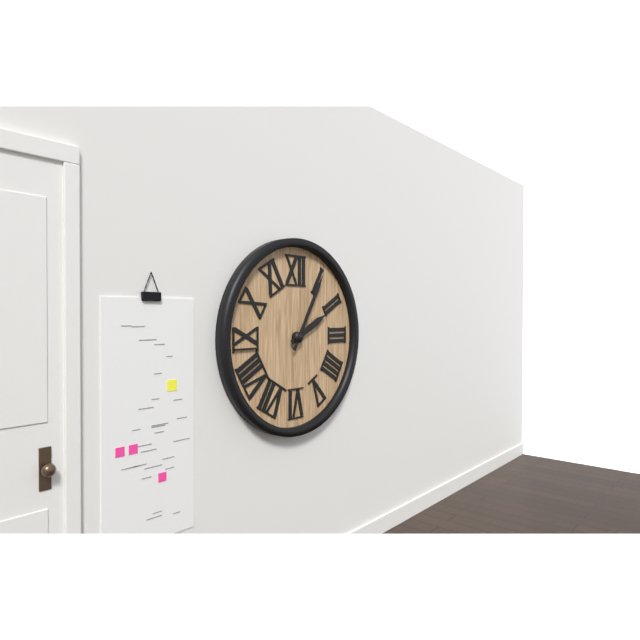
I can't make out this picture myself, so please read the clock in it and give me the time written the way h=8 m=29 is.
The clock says h=2 m=5
